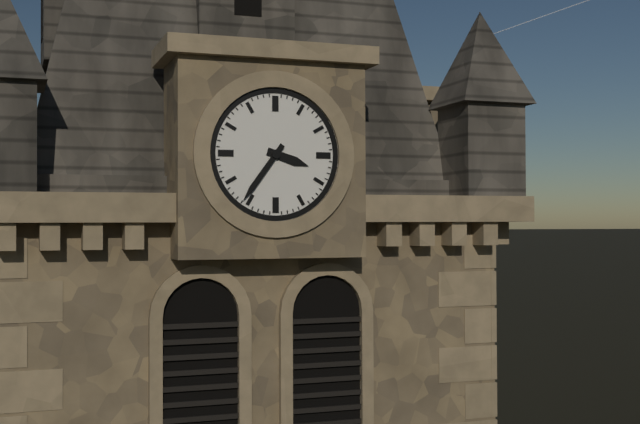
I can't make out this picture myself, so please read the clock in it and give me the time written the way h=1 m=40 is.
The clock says h=3 m=36
